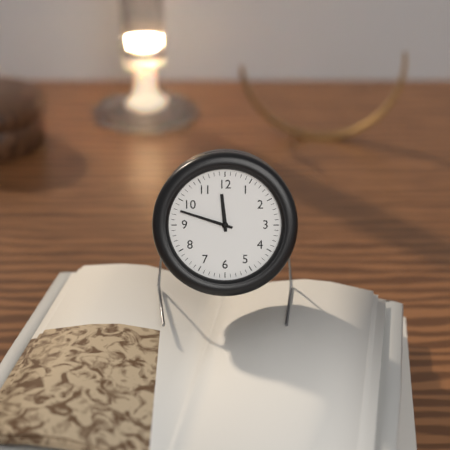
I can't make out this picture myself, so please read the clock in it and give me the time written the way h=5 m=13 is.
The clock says h=11 m=48
